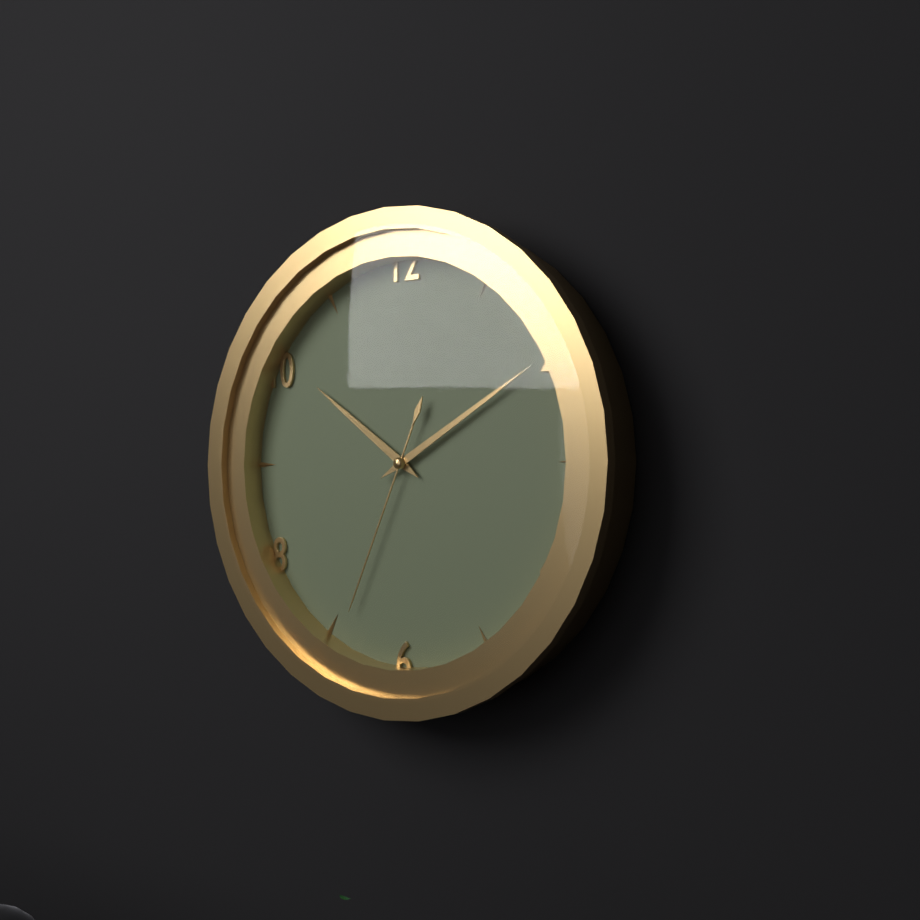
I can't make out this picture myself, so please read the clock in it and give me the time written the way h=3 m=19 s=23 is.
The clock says h=10 m=10 s=34
